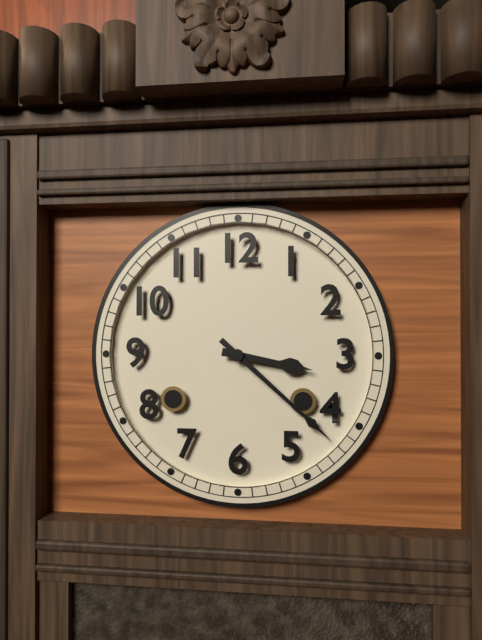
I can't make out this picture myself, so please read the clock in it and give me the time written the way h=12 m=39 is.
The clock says h=3 m=22
